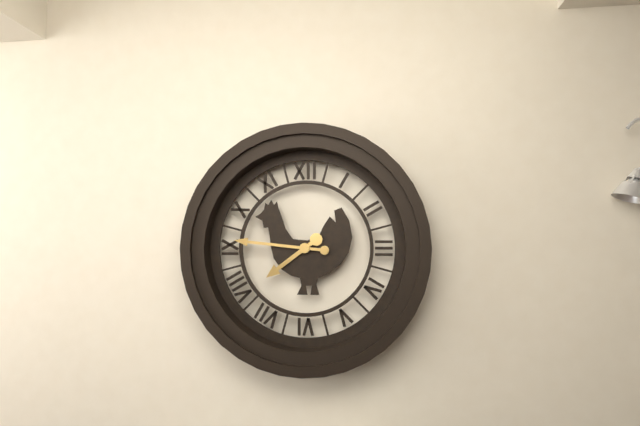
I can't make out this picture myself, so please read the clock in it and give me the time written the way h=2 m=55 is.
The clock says h=7 m=46
